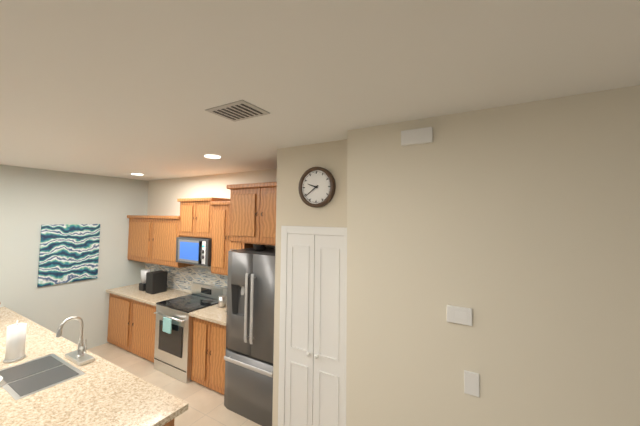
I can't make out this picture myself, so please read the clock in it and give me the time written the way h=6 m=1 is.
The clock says h=9 m=39
